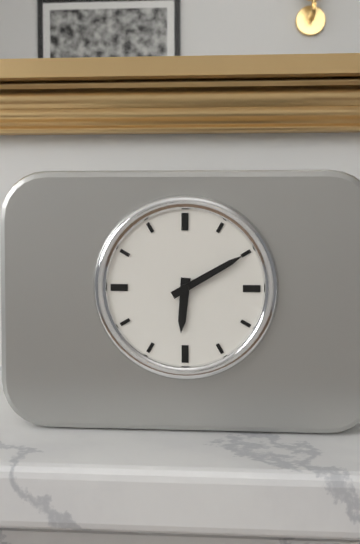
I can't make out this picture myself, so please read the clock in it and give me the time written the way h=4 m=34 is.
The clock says h=6 m=10
